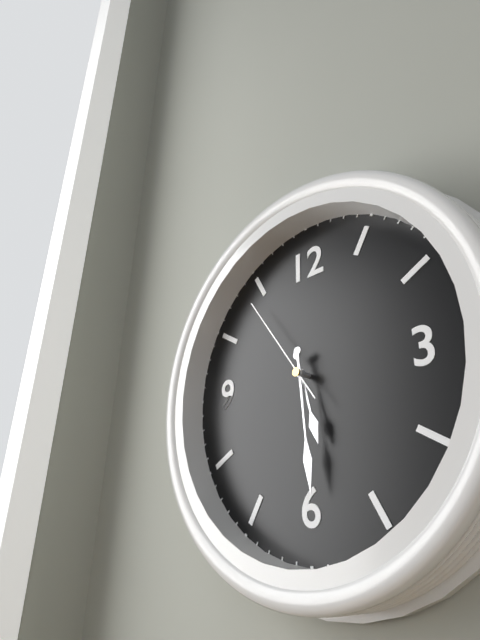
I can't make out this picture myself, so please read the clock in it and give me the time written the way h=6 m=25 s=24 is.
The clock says h=5 m=29 s=54
